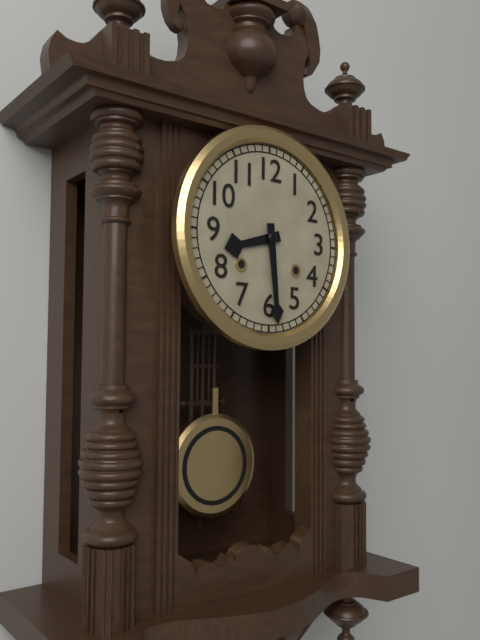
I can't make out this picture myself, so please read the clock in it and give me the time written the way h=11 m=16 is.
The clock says h=8 m=29
